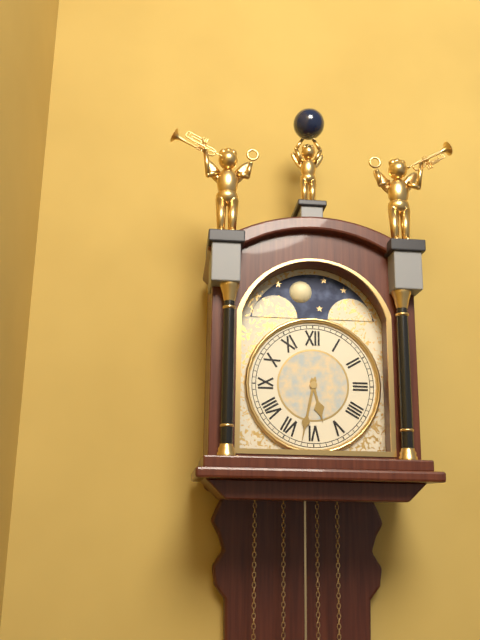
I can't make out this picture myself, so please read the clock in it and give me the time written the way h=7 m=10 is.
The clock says h=5 m=32
